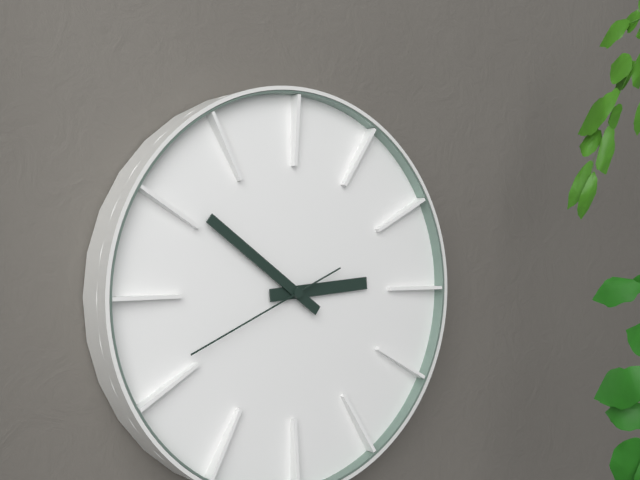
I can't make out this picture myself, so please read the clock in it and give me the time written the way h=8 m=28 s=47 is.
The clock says h=2 m=51 s=41
